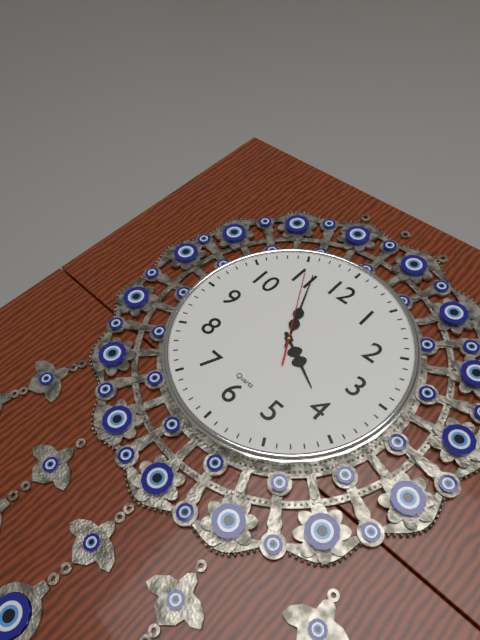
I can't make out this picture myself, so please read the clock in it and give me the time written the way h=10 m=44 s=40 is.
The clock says h=3 m=56 s=55
